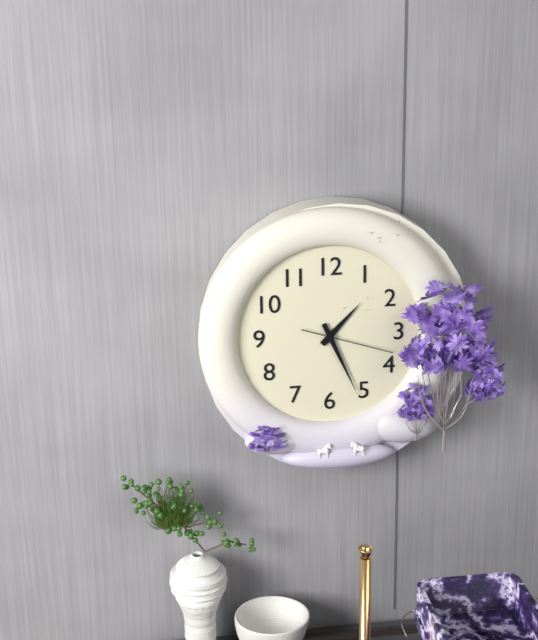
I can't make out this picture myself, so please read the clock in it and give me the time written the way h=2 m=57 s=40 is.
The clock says h=1 m=26 s=18
